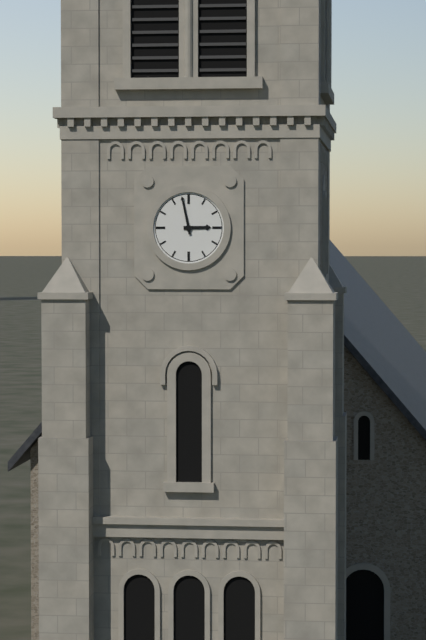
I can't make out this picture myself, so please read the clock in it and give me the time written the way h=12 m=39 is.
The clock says h=2 m=58
